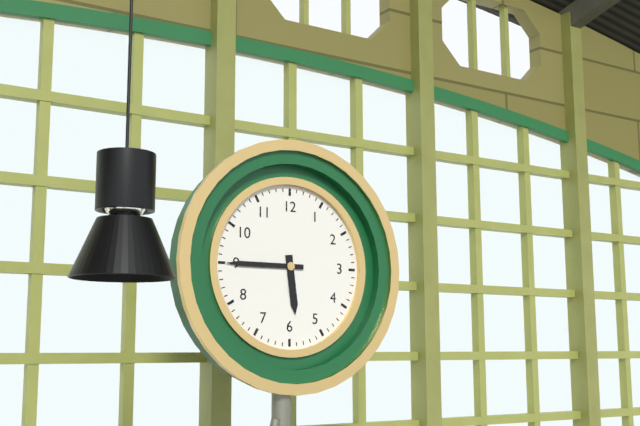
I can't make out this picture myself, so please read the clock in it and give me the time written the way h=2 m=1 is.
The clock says h=5 m=45
